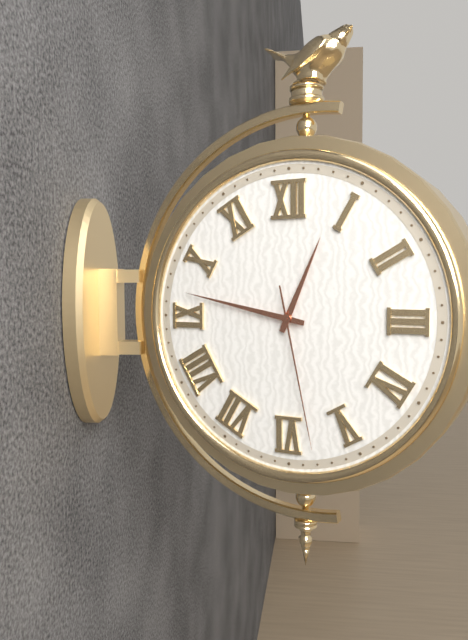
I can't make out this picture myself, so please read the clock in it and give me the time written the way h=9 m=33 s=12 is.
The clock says h=12 m=47 s=28
